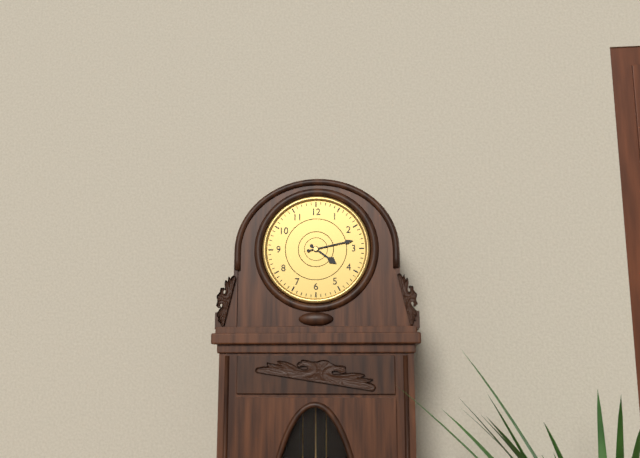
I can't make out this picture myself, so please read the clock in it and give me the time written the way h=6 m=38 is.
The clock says h=4 m=13
